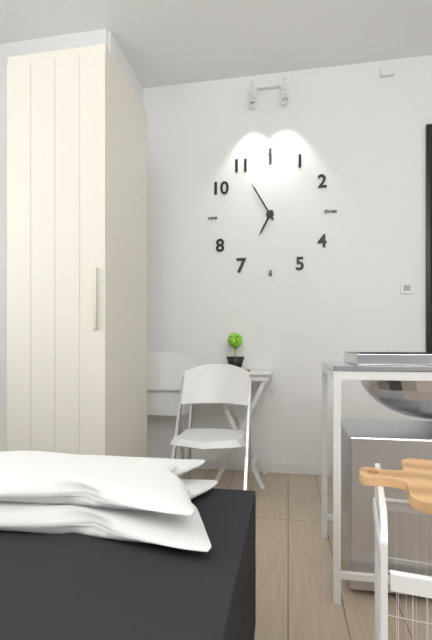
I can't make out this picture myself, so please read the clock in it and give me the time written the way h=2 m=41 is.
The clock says h=6 m=55
